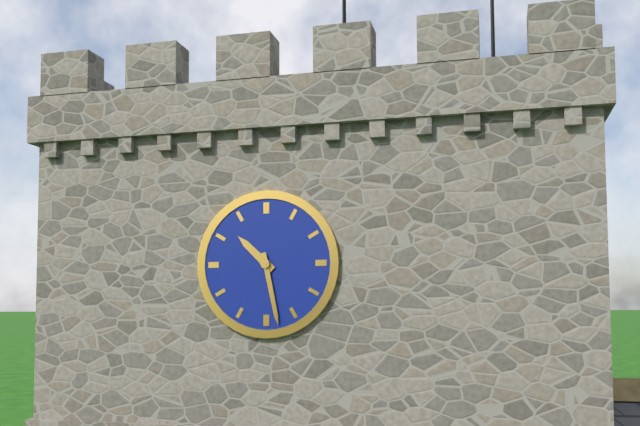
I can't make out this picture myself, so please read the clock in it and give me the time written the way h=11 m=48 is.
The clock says h=10 m=28
